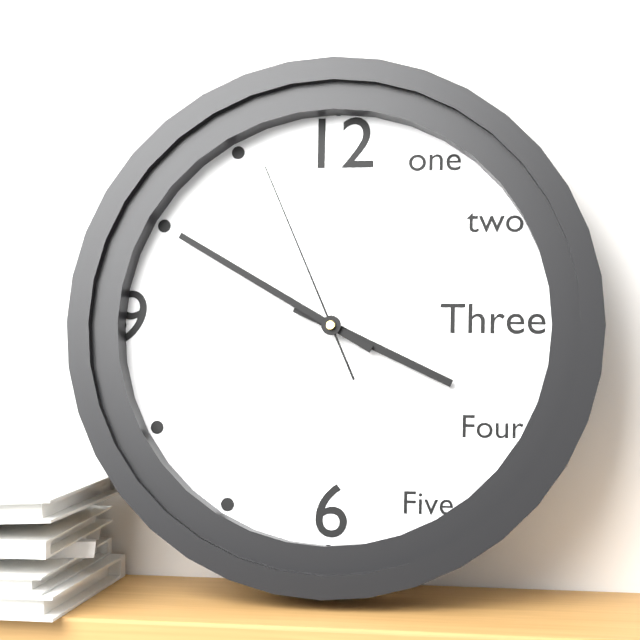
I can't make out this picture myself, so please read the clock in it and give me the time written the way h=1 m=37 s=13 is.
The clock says h=3 m=50 s=56
